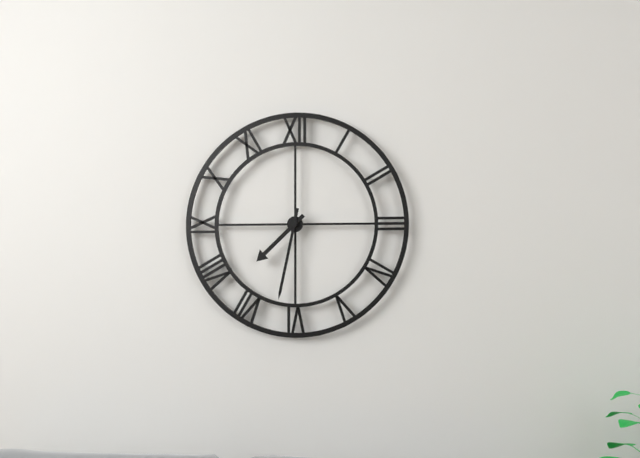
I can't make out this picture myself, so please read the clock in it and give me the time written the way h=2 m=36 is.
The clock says h=7 m=32
